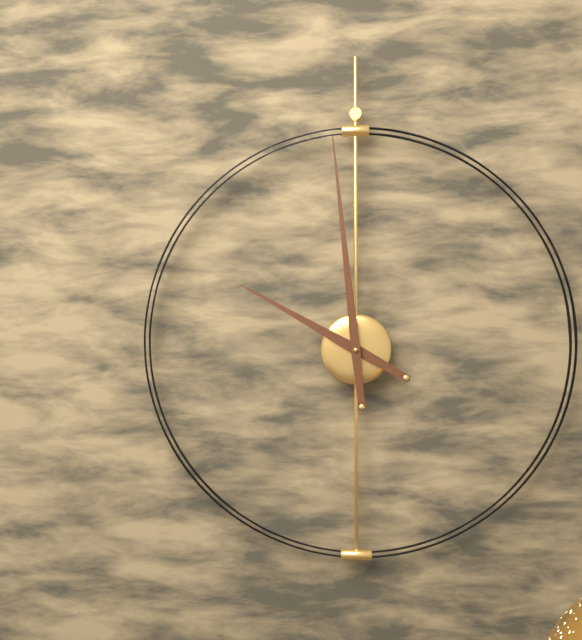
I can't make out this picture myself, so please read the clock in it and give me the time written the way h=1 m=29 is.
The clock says h=9 m=59
